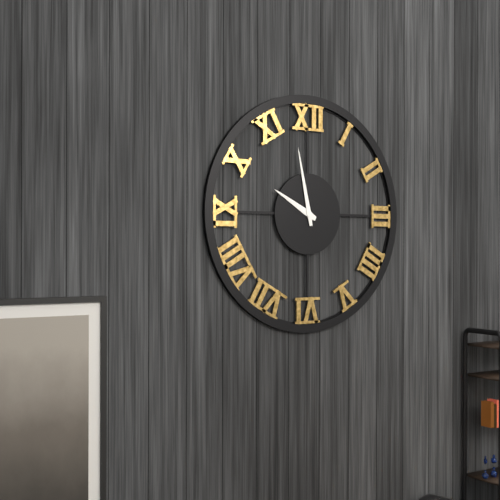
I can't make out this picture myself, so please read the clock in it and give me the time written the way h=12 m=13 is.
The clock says h=9 m=58
